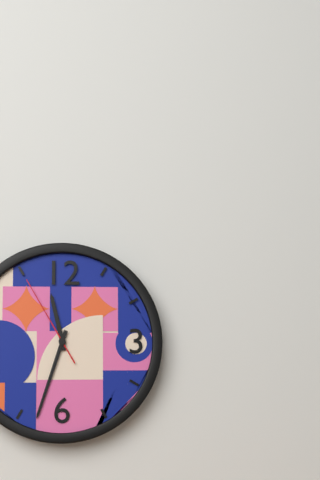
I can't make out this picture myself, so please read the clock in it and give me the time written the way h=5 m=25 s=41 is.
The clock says h=11 m=33 s=55
